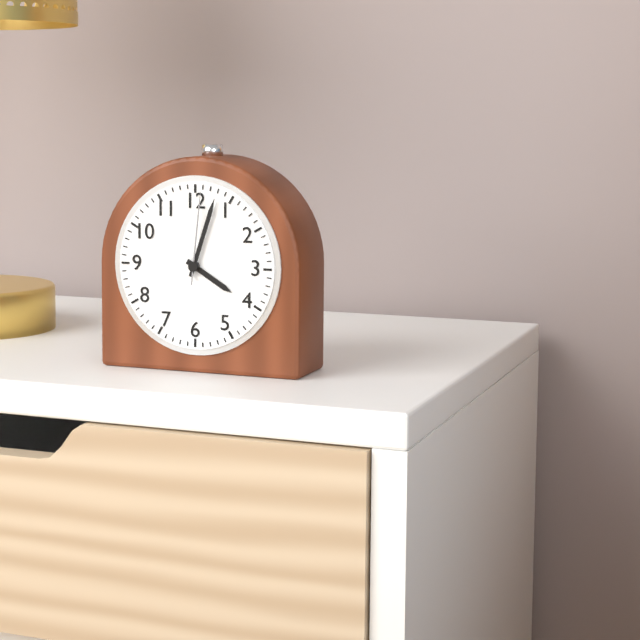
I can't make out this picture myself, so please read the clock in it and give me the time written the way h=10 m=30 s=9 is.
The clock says h=4 m=3 s=1
